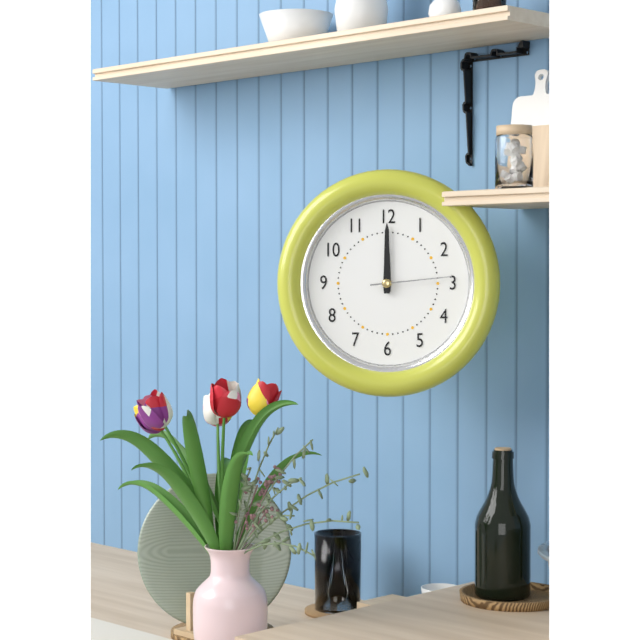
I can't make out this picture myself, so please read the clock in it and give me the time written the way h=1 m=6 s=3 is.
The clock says h=12 m=0 s=14
